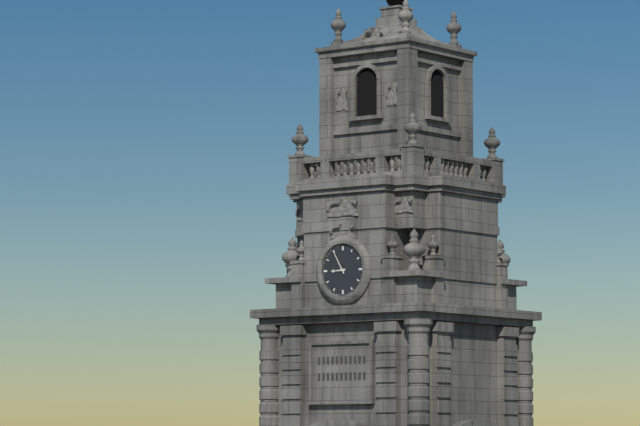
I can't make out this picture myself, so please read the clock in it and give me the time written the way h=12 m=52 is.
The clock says h=8 m=55
